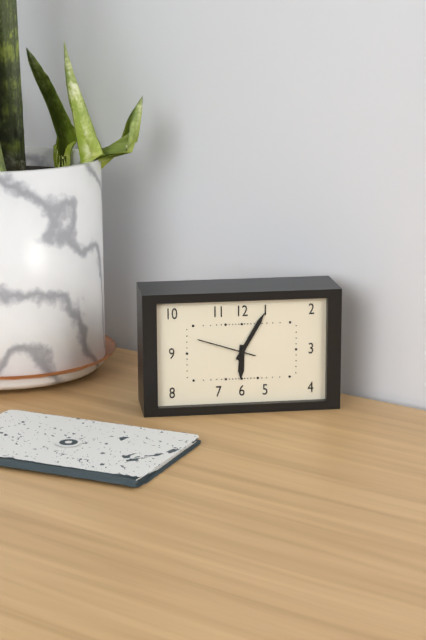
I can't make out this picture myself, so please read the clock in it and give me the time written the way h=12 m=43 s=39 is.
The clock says h=6 m=5 s=48
